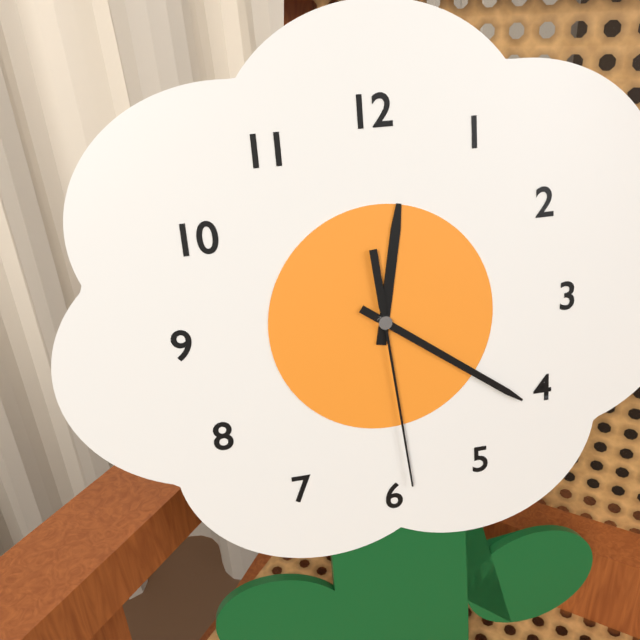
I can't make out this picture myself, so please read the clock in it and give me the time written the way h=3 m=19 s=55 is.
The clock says h=12 m=21 s=29
